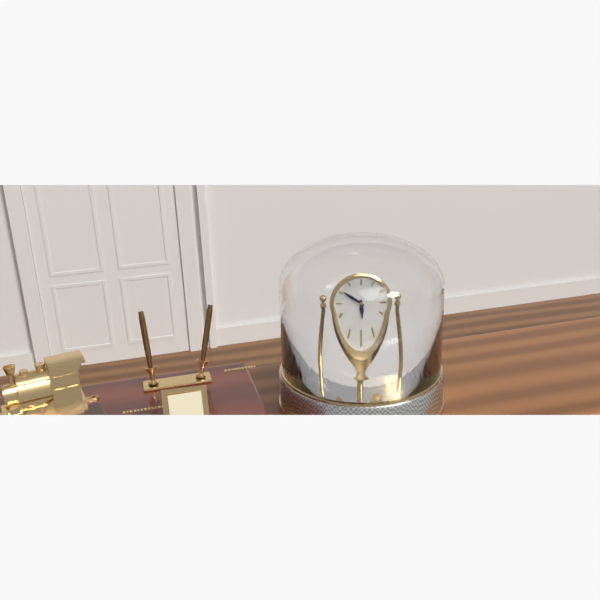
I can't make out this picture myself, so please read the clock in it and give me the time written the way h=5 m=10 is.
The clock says h=5 m=51
